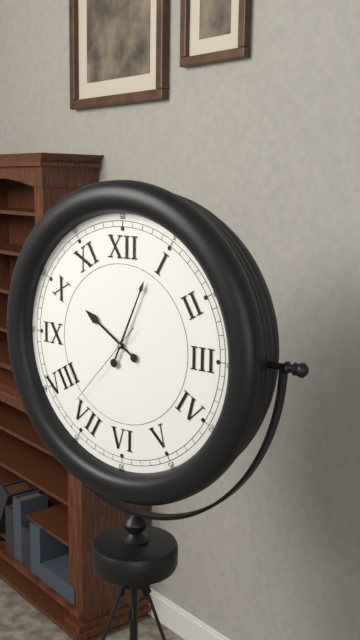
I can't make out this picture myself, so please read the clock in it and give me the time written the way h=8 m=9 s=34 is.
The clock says h=10 m=4 s=37
